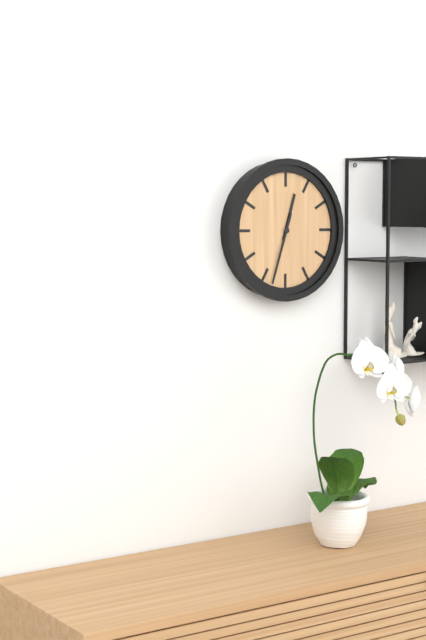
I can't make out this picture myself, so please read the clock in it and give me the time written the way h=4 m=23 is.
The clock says h=12 m=33
